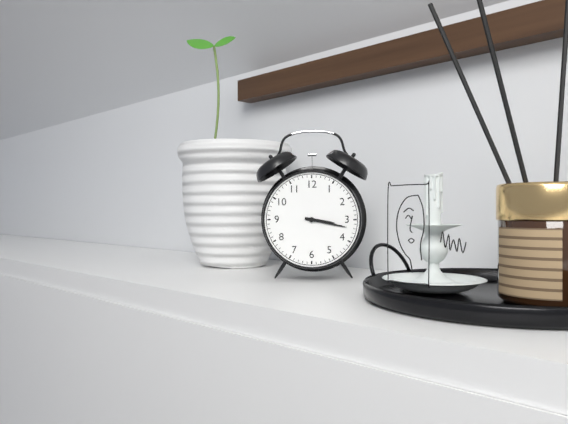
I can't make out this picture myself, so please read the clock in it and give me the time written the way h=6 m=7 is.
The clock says h=3 m=17
